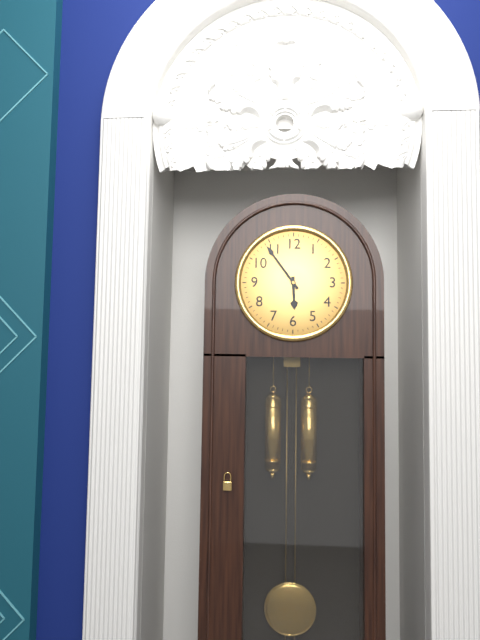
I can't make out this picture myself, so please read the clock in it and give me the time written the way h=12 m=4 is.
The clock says h=5 m=54
